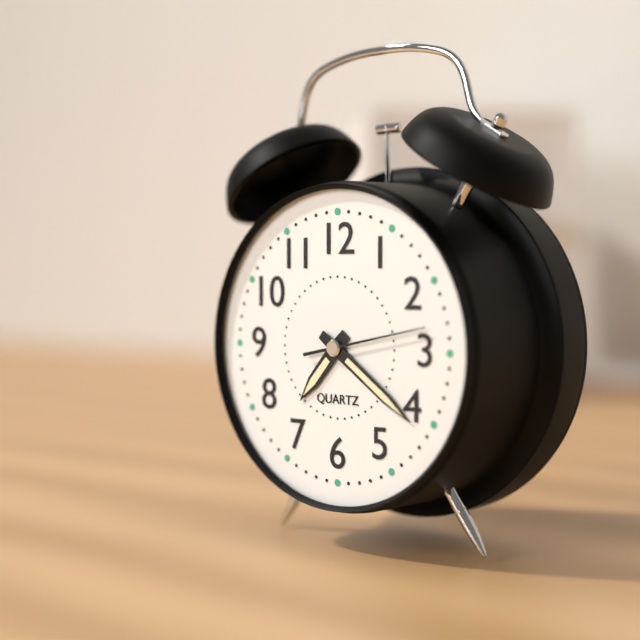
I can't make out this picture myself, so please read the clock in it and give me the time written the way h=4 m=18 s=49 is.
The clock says h=7 m=21 s=13
